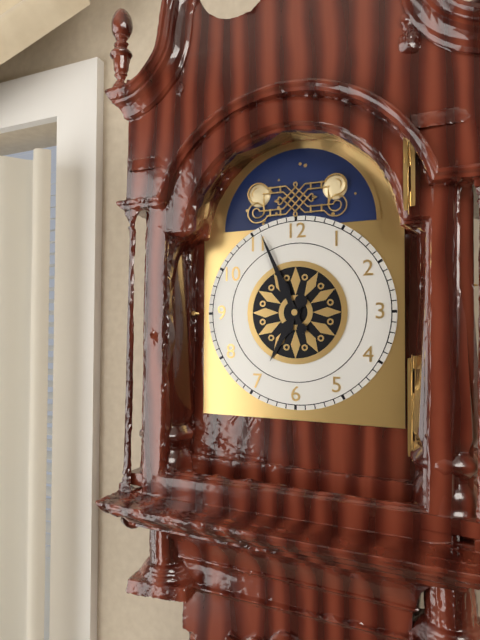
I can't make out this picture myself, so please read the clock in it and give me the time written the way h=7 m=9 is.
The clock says h=6 m=56
